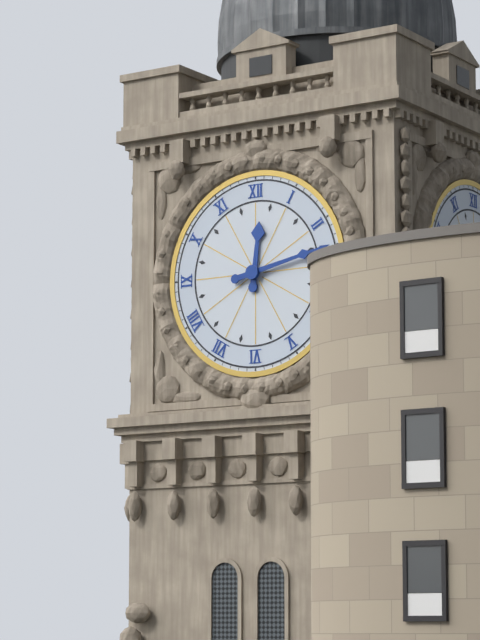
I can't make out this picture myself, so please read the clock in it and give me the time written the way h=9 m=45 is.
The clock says h=12 m=13
